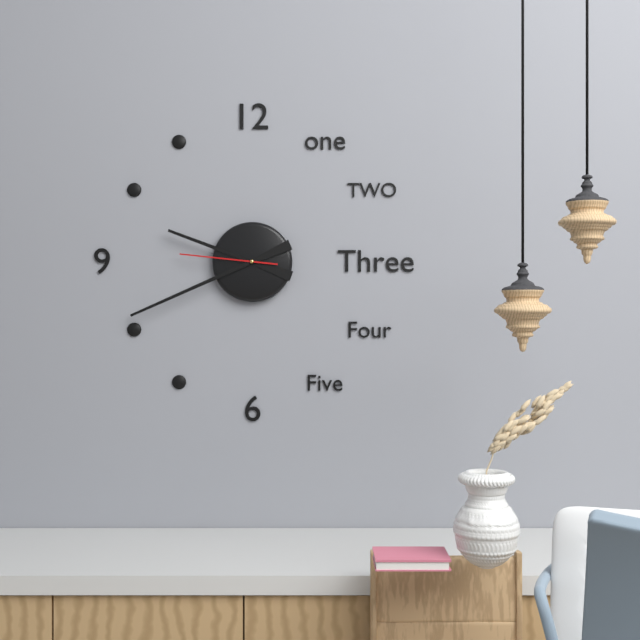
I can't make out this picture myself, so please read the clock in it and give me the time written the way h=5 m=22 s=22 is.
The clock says h=9 m=41 s=46
